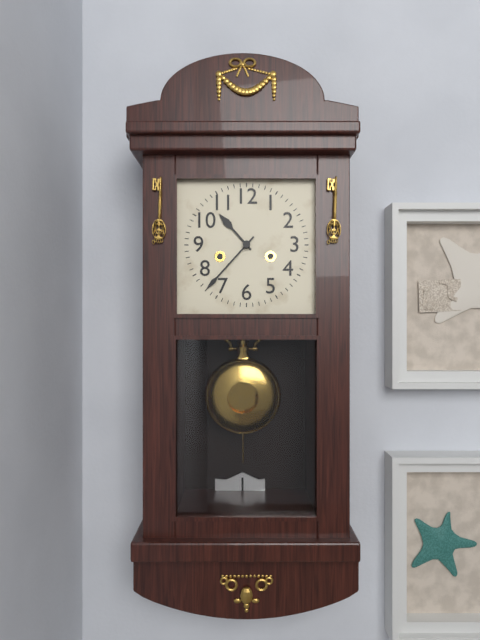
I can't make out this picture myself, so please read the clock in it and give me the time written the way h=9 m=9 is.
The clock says h=10 m=37
